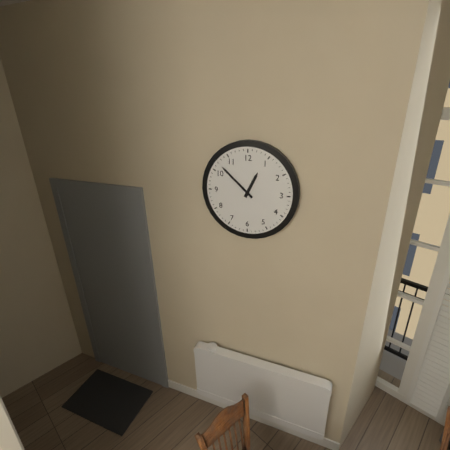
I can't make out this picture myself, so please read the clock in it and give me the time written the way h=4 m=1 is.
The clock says h=12 m=52
